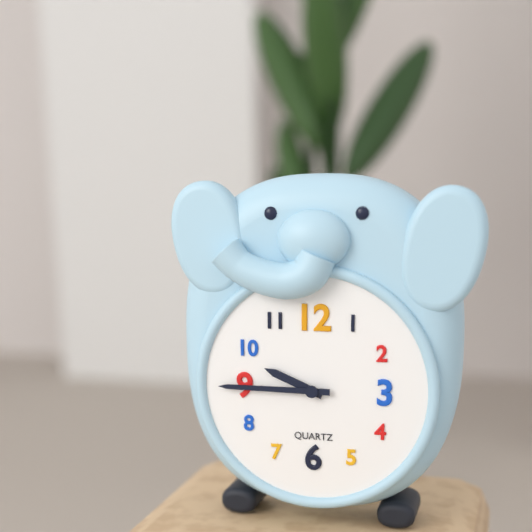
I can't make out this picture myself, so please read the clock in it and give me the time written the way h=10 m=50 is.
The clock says h=9 m=45
